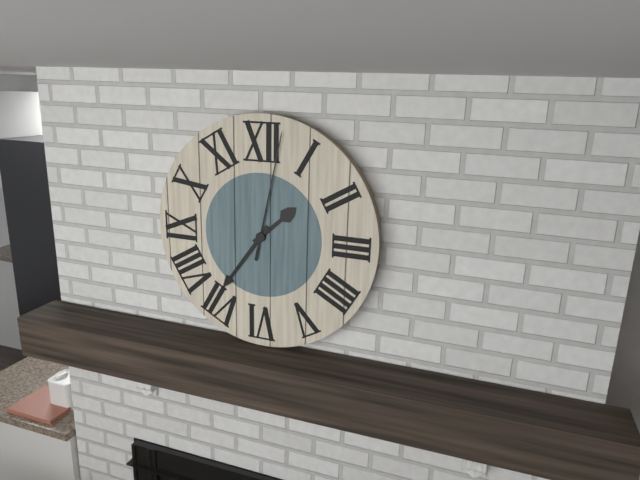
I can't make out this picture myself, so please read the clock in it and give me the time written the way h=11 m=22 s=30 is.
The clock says h=1 m=36 s=2
